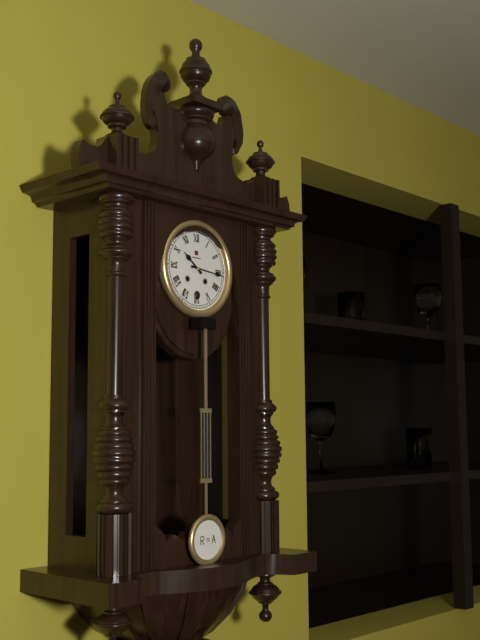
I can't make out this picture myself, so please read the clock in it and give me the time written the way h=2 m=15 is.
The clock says h=10 m=16
